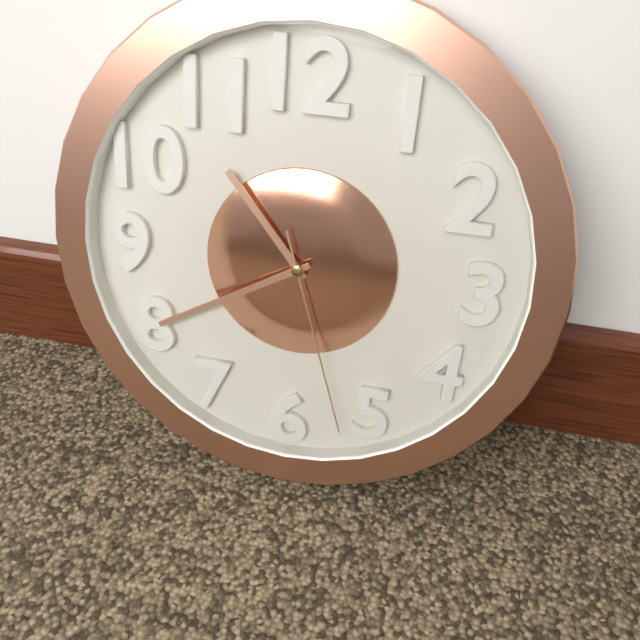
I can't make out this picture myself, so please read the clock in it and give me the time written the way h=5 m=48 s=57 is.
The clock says h=10 m=40 s=27
